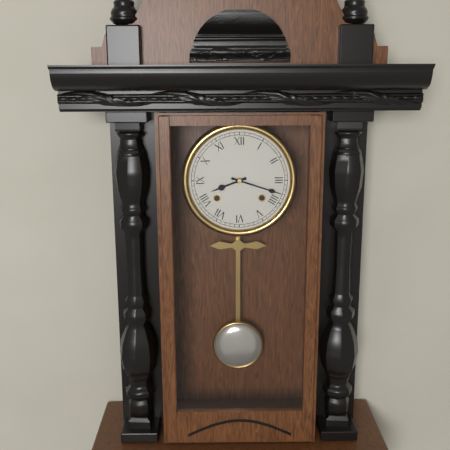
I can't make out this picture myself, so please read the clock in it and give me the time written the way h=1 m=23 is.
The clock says h=8 m=18
